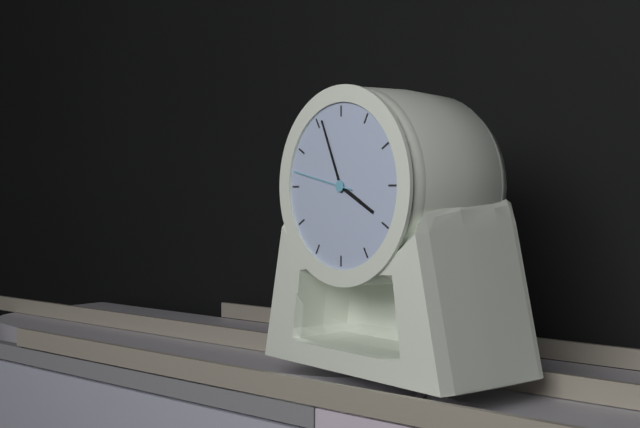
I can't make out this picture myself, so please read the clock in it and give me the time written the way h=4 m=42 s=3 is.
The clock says h=3 m=56 s=47
